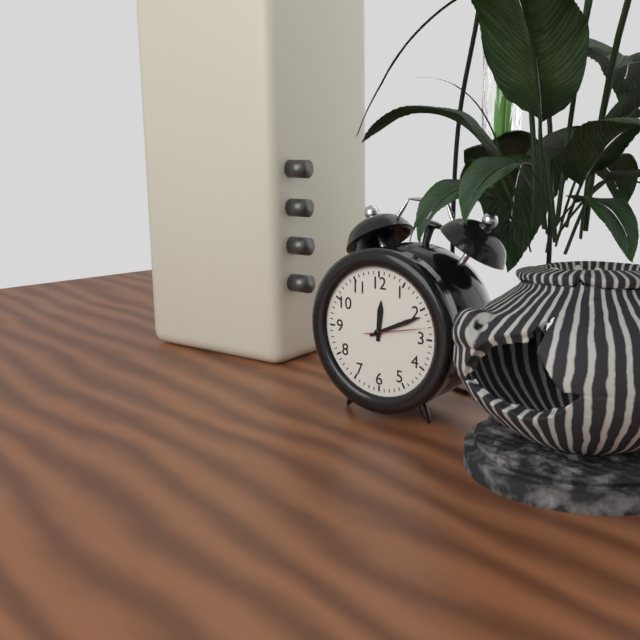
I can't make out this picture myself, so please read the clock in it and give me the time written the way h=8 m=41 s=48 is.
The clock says h=12 m=11 s=13
